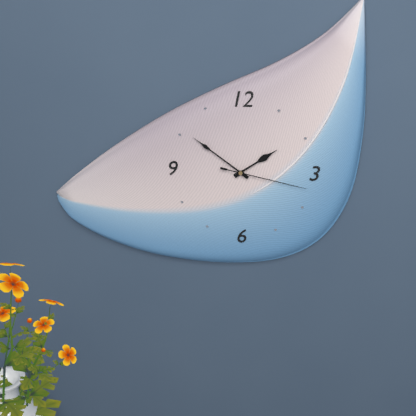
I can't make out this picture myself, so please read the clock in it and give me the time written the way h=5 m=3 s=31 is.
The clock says h=1 m=51 s=17
